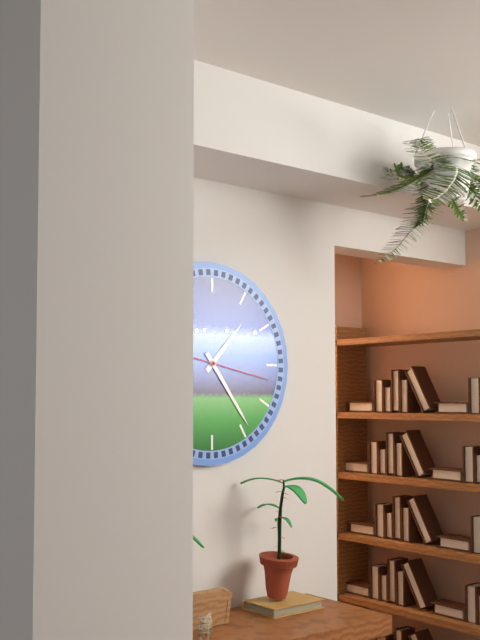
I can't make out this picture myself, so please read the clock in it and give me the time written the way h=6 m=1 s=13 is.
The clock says h=1 m=24 s=17
